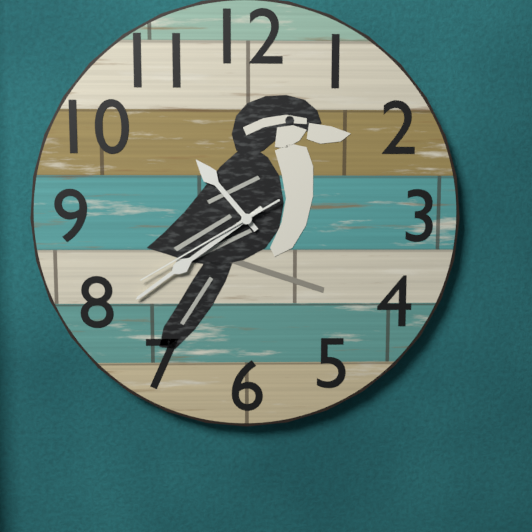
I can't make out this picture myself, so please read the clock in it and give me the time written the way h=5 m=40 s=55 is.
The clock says h=10 m=39 s=40
